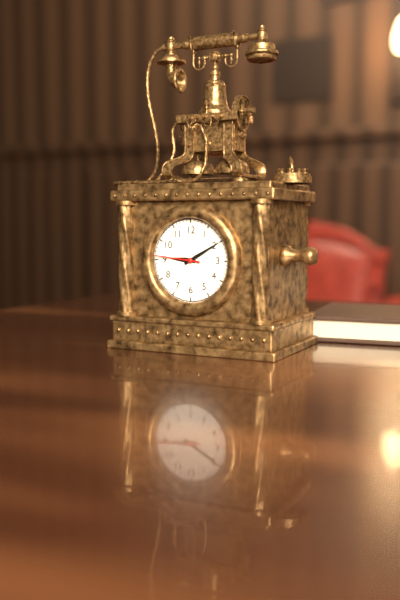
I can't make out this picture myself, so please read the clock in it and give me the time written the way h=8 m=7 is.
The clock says h=9 m=10
